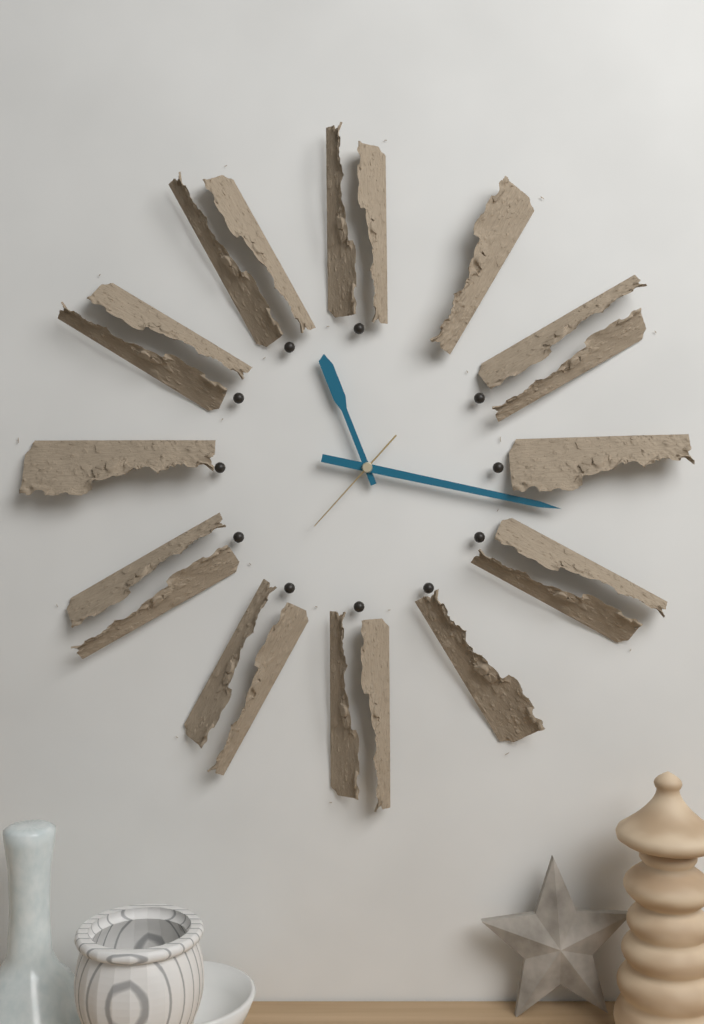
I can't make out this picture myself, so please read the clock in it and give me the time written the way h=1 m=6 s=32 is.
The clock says h=11 m=17 s=37
